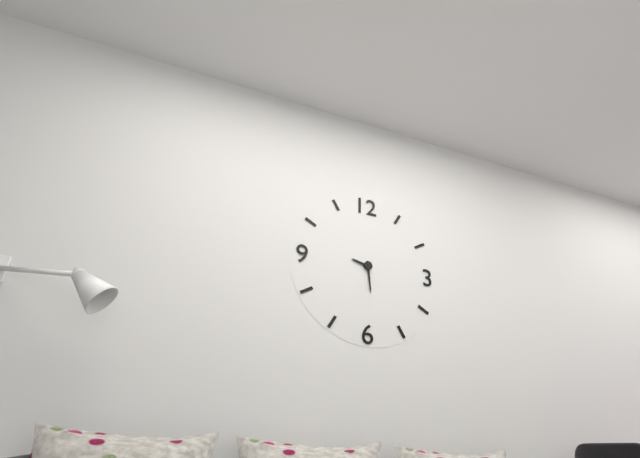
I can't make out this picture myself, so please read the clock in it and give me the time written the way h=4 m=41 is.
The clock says h=9 m=29
